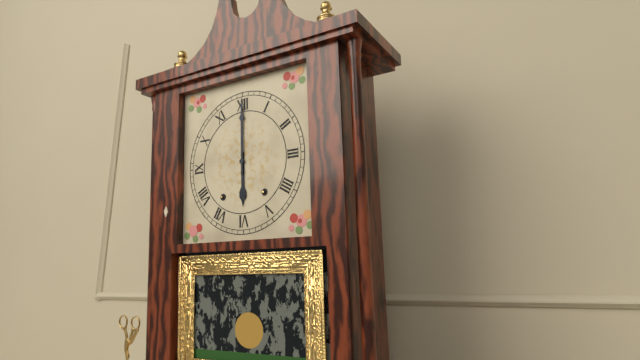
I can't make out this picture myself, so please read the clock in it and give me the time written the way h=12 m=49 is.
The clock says h=6 m=0
